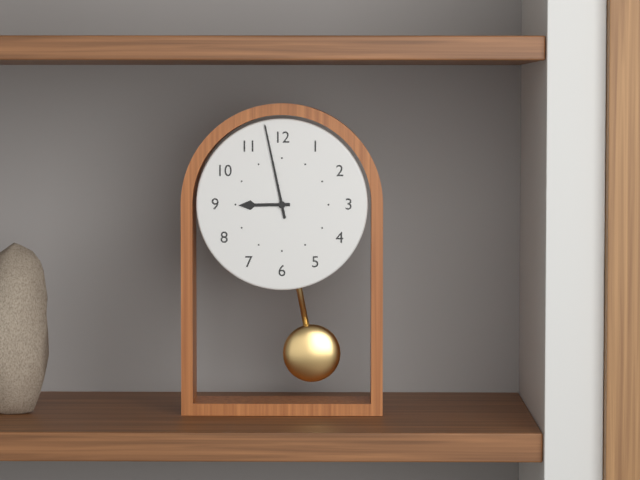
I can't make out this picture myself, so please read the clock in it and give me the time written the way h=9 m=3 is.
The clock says h=8 m=58
